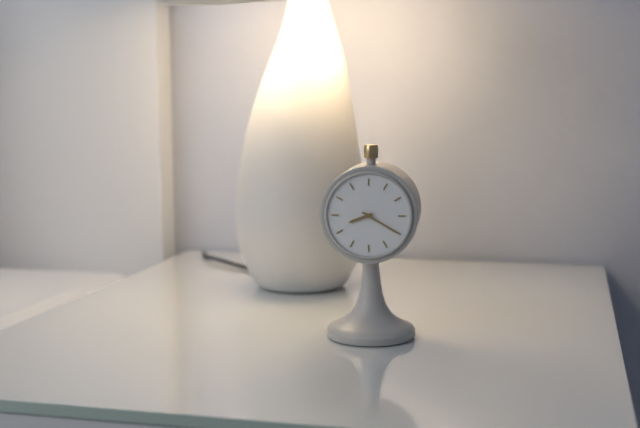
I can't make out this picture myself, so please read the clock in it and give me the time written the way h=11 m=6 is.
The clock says h=8 m=20
